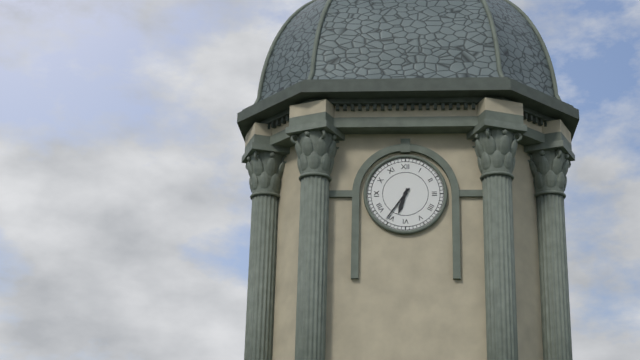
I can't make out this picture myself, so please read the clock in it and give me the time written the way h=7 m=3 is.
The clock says h=6 m=36
